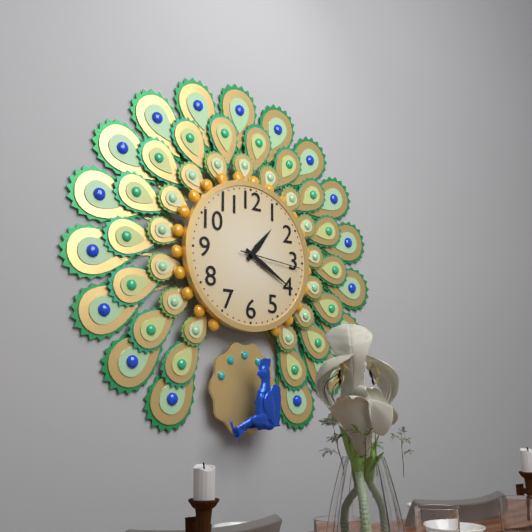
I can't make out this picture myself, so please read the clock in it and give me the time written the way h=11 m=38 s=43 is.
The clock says h=1 m=20 s=16
